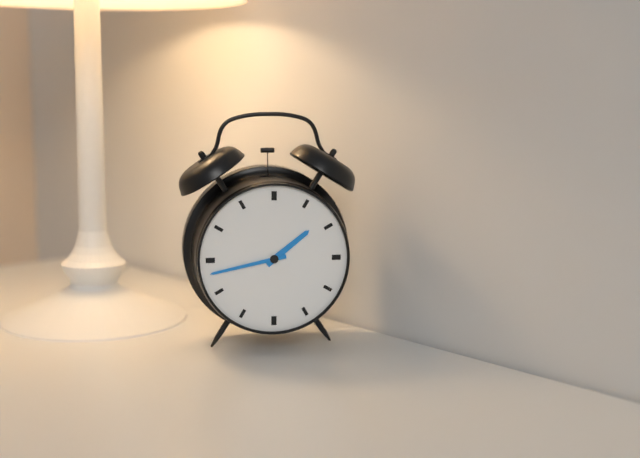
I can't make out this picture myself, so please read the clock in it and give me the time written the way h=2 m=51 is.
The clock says h=1 m=43
